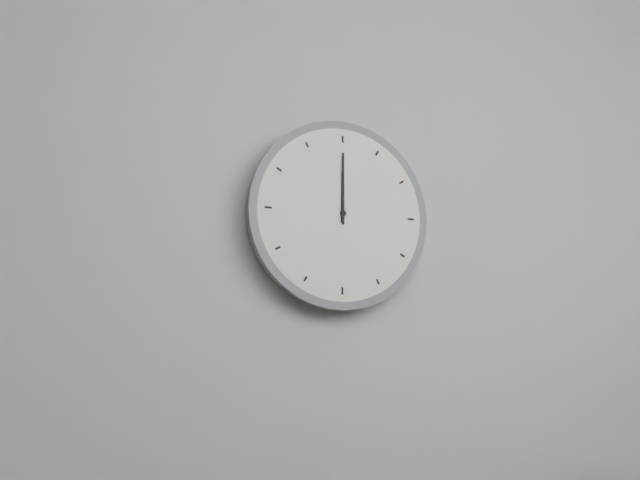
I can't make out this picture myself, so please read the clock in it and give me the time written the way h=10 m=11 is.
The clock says h=12 m=0
